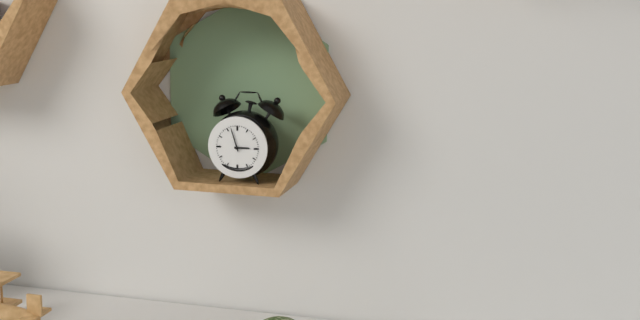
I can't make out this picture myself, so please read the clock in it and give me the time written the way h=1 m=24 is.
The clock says h=2 m=57
